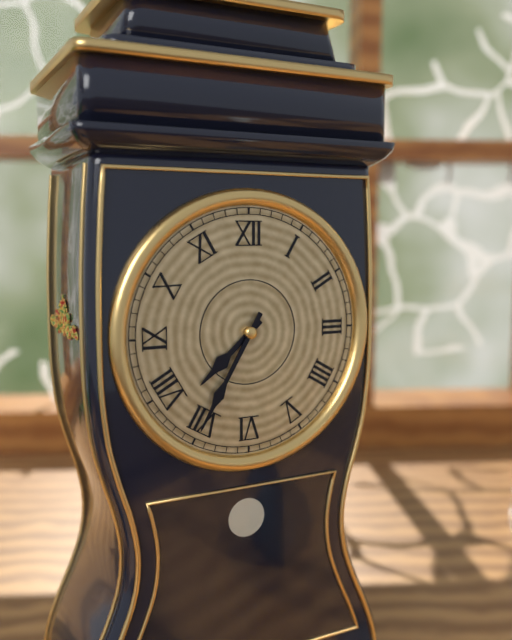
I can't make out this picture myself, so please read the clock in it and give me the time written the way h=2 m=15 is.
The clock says h=7 m=35
